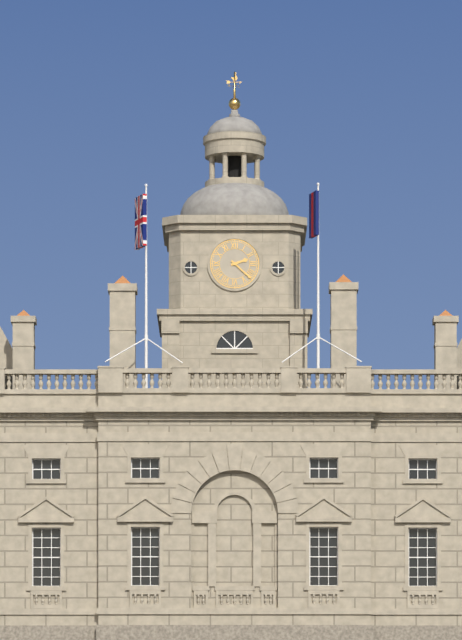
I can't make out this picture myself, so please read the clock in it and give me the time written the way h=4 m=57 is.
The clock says h=2 m=22
